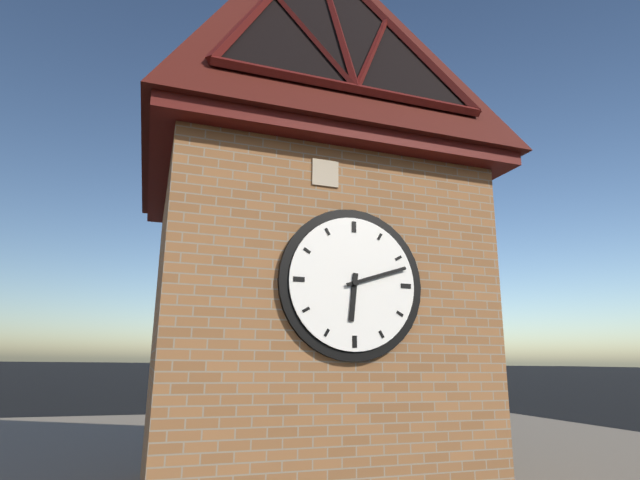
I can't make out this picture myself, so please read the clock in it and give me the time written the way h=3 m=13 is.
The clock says h=6 m=12
